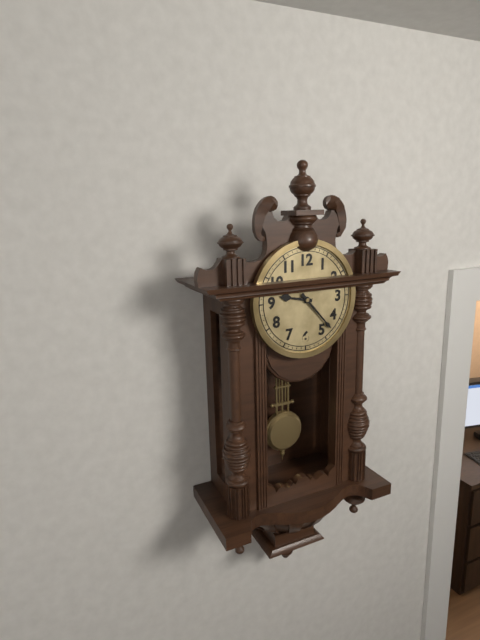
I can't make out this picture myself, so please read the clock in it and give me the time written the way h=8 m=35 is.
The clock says h=9 m=23
